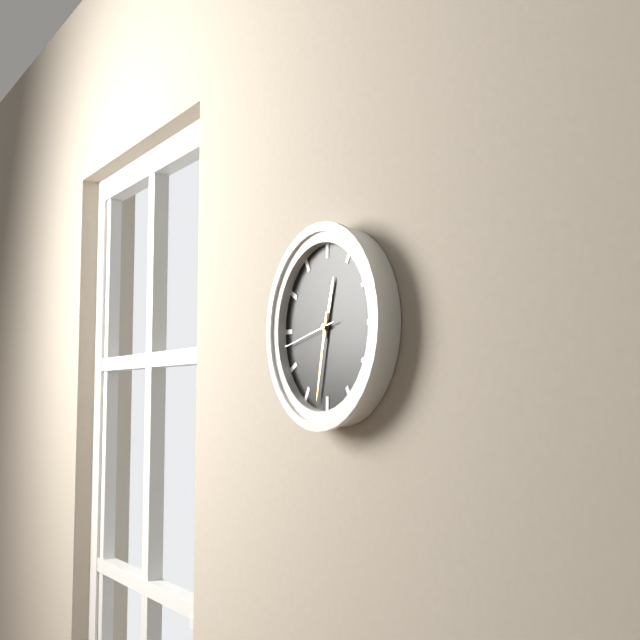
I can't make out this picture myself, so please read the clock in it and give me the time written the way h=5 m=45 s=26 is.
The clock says h=12 m=32 s=43
